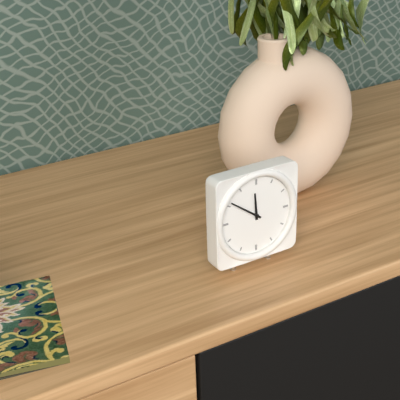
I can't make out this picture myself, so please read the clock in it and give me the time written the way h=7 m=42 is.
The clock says h=11 m=51
